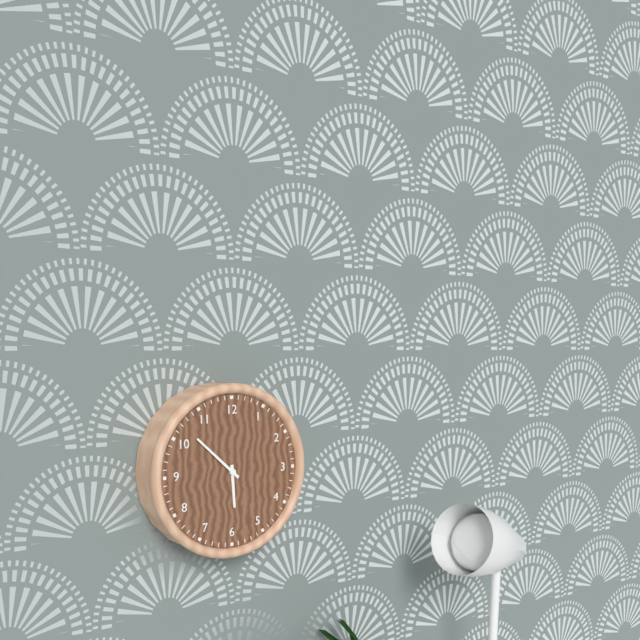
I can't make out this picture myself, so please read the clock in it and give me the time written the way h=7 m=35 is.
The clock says h=5 m=52
